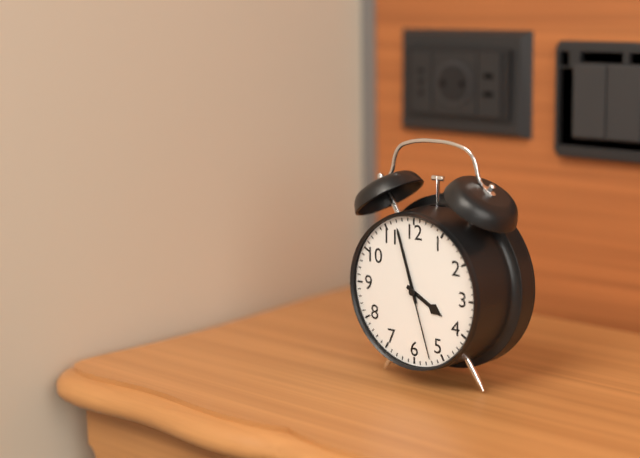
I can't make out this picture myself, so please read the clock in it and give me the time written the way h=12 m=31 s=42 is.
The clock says h=3 m=57 s=27
